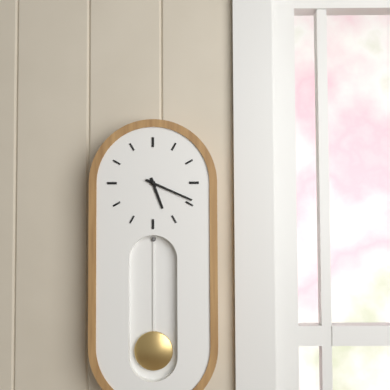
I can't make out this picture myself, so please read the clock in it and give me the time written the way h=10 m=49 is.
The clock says h=5 m=19
